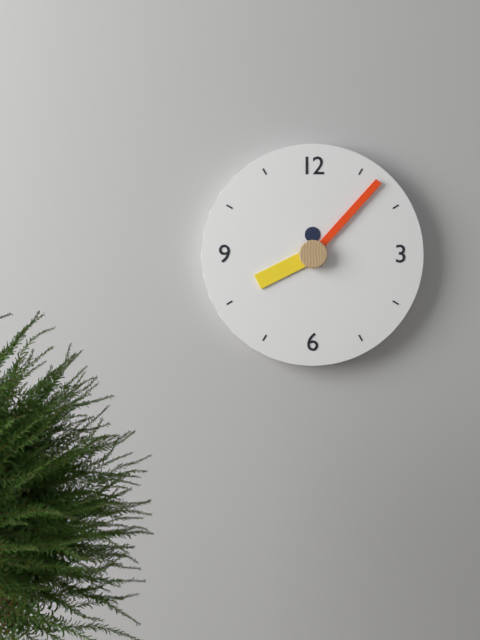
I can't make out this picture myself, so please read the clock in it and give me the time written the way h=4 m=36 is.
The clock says h=8 m=7
